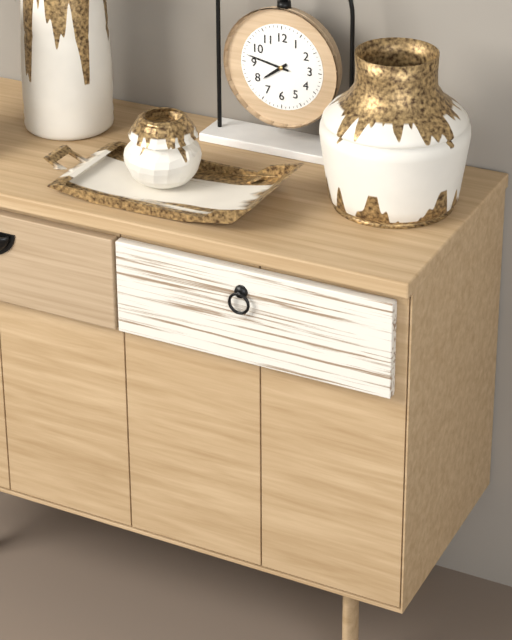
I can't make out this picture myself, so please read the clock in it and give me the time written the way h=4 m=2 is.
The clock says h=7 m=47
